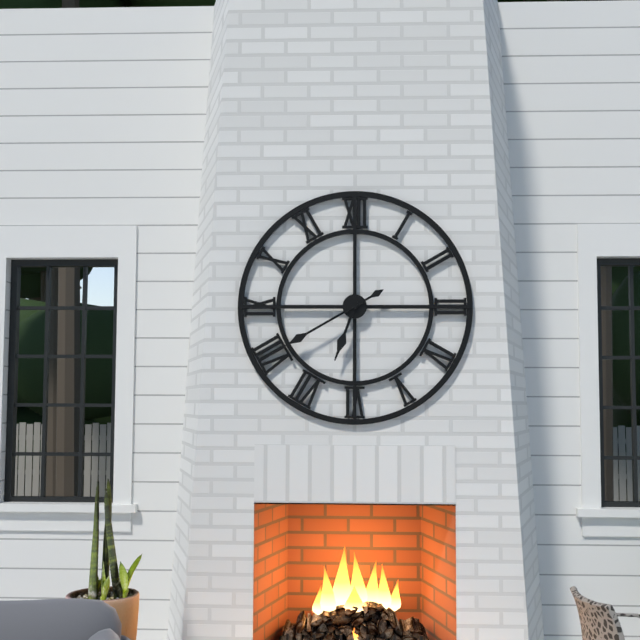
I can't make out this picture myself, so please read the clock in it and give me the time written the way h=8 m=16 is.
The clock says h=6 m=40
